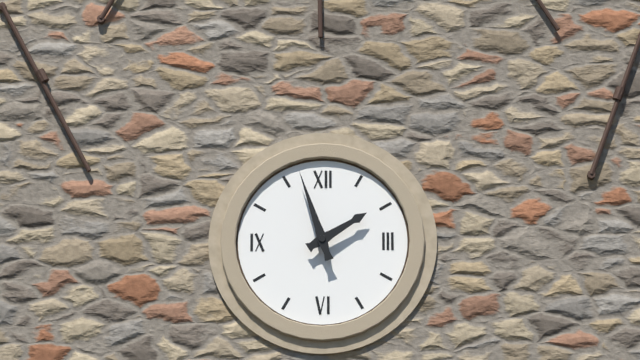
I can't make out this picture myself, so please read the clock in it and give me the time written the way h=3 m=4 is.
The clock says h=1 m=57
